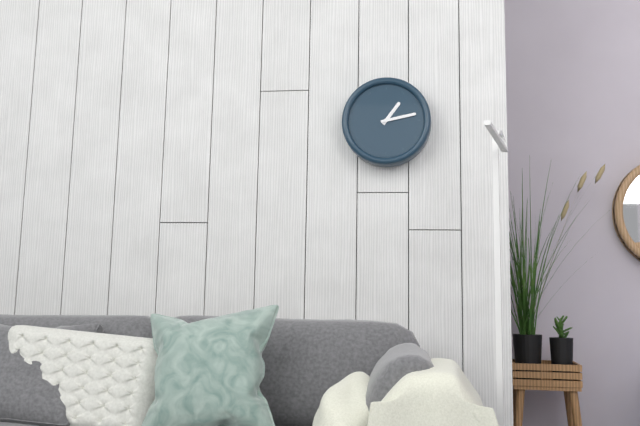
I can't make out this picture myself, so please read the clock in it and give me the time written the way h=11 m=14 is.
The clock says h=1 m=13
